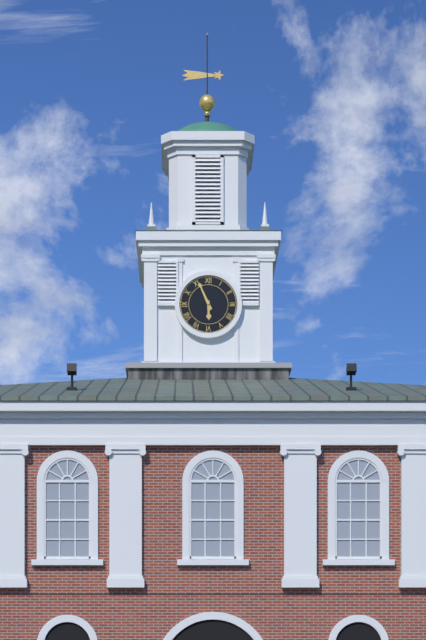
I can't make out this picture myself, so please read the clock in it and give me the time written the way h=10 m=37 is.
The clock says h=5 m=56
